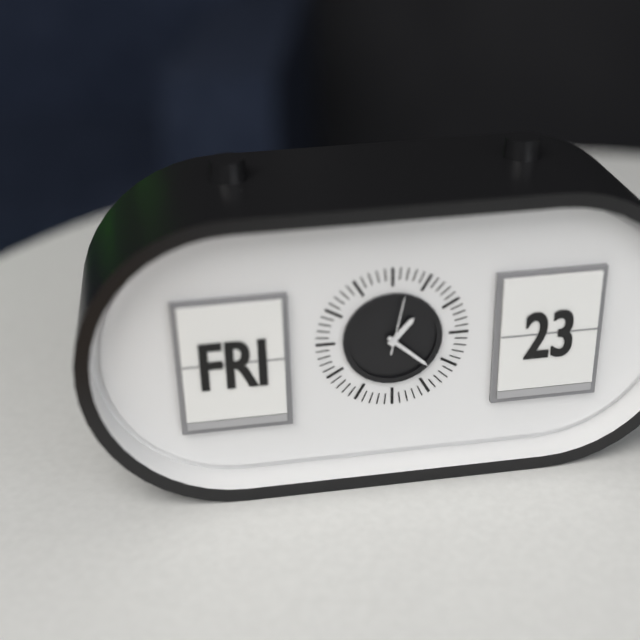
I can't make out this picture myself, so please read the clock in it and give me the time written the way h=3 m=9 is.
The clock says h=1 m=22
